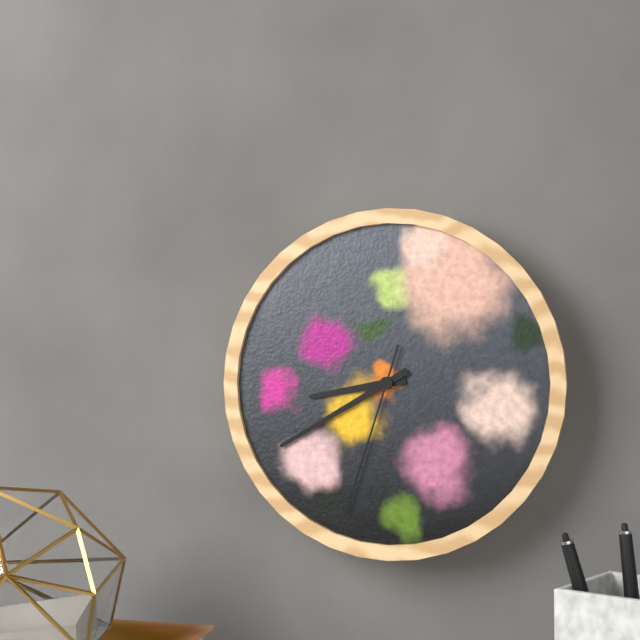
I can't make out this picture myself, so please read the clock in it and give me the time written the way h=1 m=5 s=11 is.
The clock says h=8 m=40 s=33
